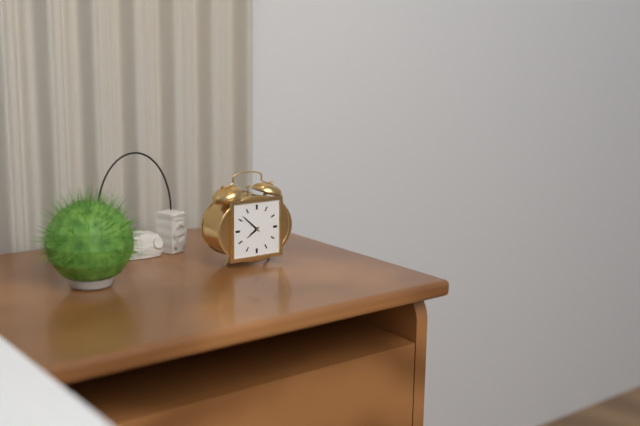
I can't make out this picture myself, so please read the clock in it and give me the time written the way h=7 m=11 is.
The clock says h=7 m=52
